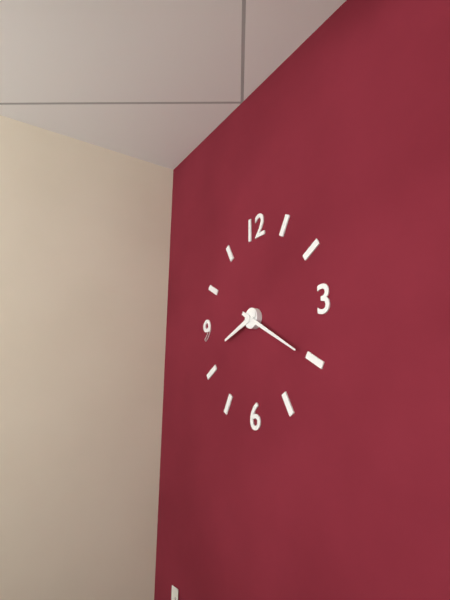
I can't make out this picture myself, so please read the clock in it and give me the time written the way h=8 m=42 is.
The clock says h=8 m=20
